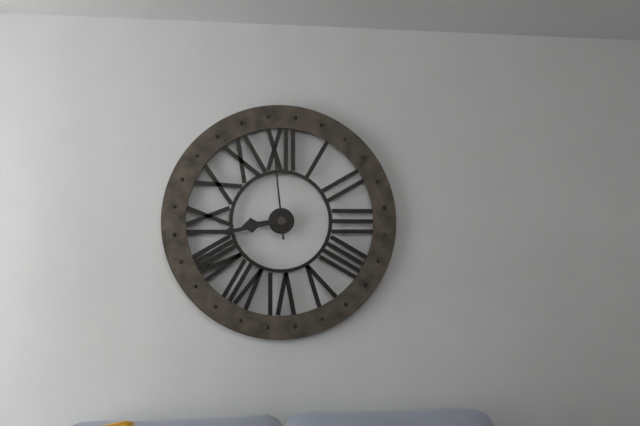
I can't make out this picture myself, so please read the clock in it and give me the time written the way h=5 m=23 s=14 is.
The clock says h=8 m=43 s=59
